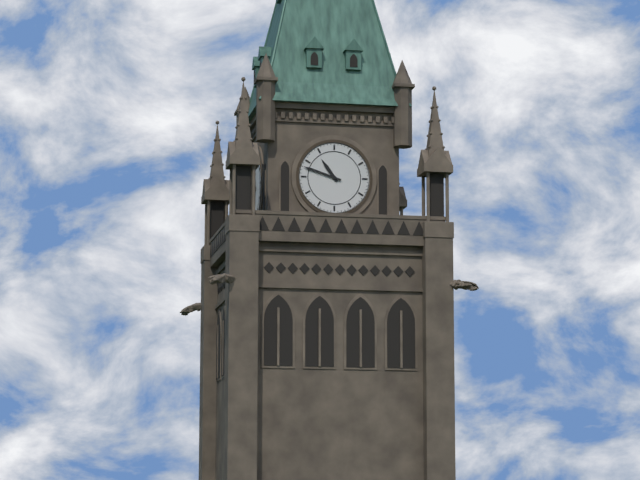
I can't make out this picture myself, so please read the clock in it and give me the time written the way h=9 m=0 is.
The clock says h=10 m=48
